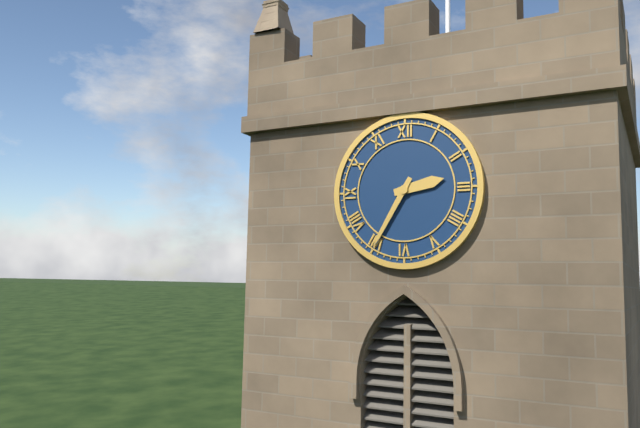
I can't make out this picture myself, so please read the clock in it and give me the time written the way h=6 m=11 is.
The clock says h=2 m=35
